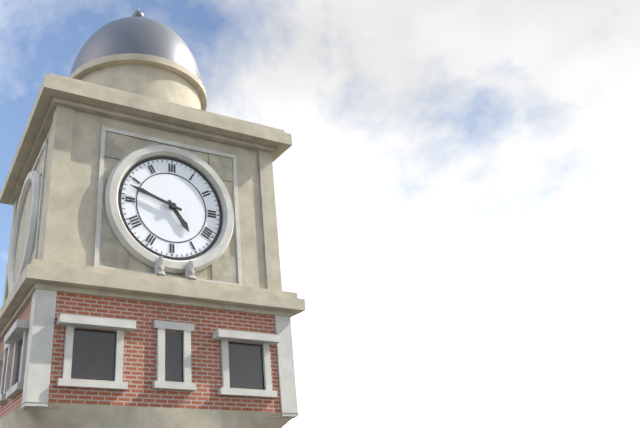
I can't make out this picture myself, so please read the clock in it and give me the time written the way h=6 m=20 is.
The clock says h=4 m=48
